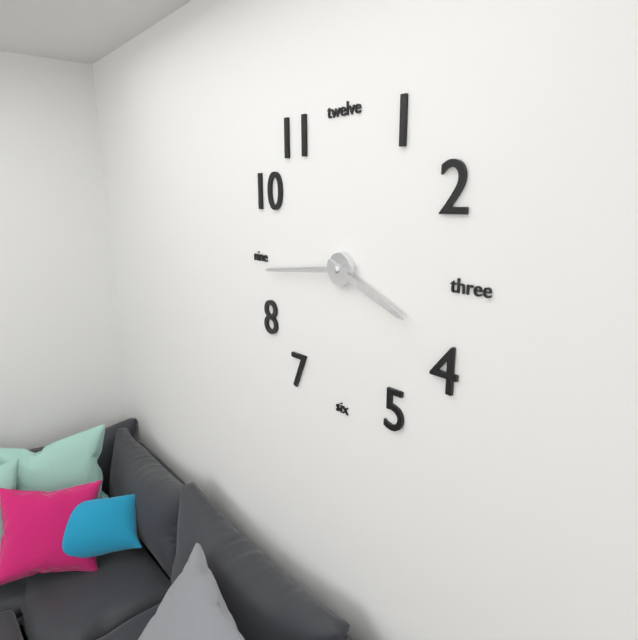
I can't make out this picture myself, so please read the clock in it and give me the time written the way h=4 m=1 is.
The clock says h=3 m=44
